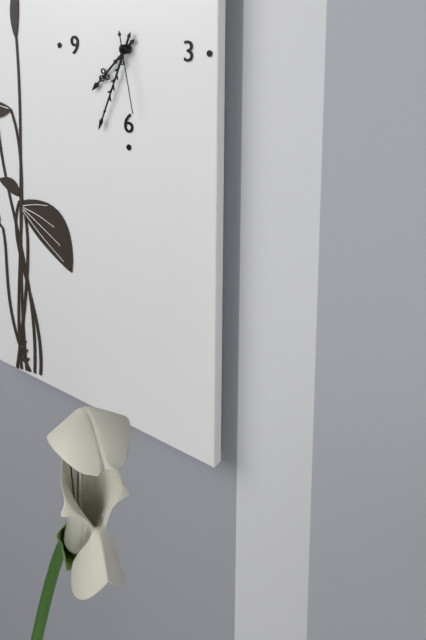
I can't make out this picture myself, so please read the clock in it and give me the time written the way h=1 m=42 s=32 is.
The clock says h=7 m=34 s=28
